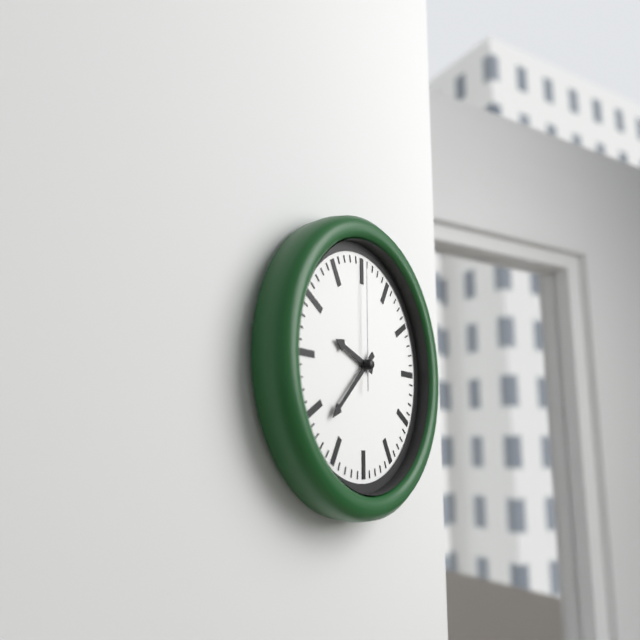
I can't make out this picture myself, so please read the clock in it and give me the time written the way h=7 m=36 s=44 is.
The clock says h=9 m=38 s=0
